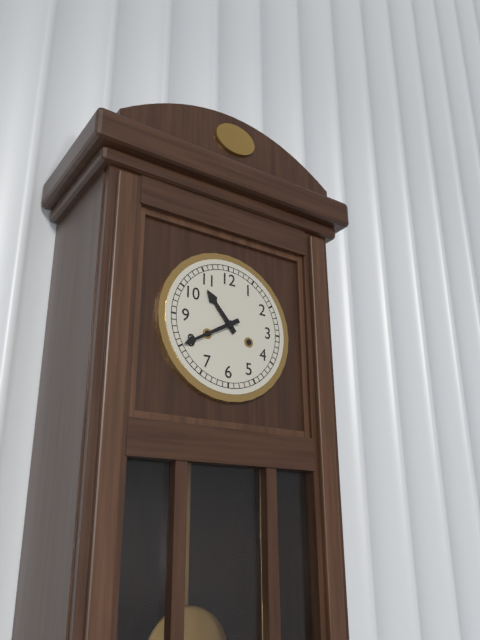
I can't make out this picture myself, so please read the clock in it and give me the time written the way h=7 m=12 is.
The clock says h=10 m=40
